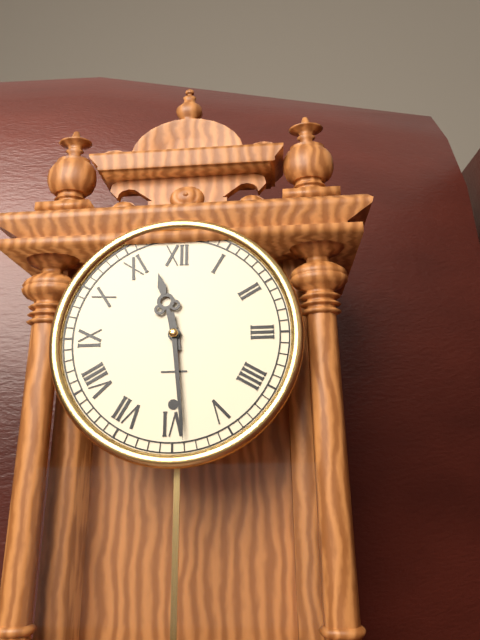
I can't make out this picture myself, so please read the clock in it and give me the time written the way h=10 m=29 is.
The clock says h=11 m=29
